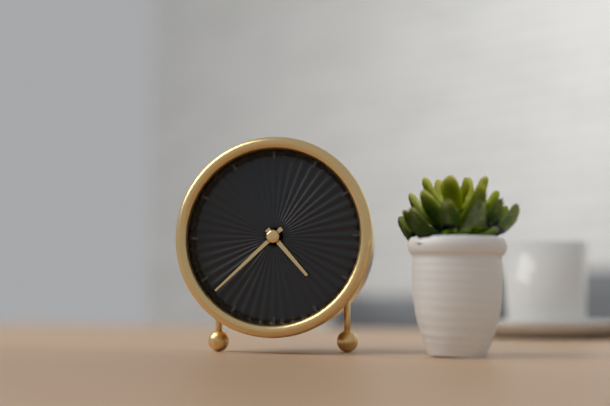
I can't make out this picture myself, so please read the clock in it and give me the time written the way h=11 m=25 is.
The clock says h=4 m=38
